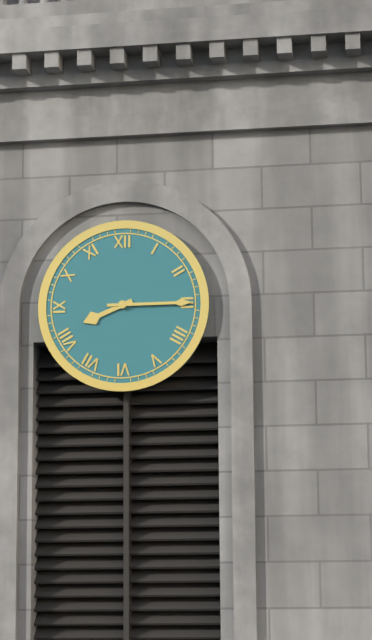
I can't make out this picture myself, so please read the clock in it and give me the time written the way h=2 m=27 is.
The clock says h=8 m=15
